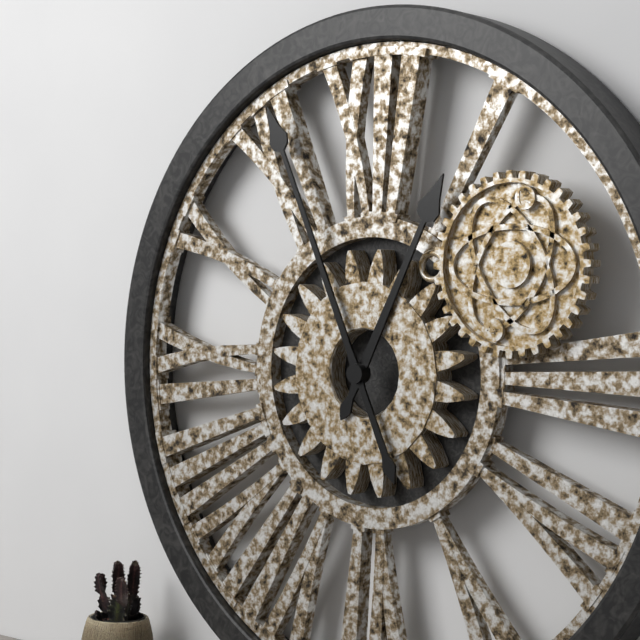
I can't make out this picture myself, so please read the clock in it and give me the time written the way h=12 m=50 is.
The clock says h=12 m=56
